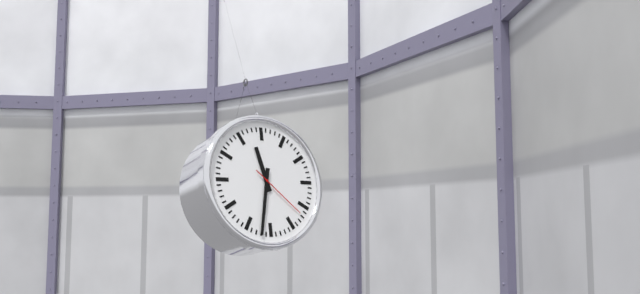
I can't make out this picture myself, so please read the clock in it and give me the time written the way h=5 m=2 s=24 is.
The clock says h=11 m=32 s=22
